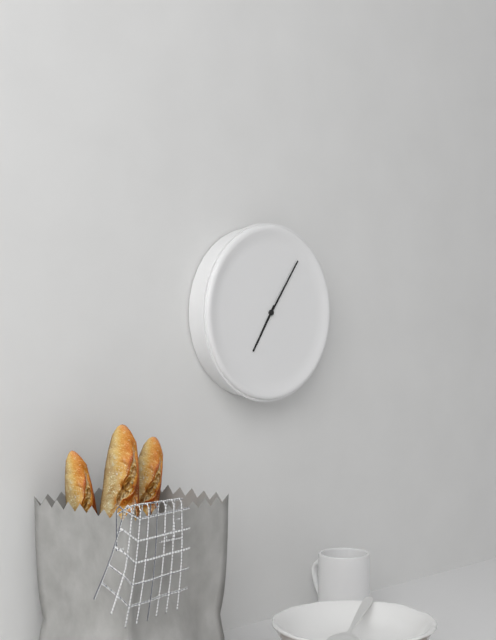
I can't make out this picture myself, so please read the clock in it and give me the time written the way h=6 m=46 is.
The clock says h=7 m=6
